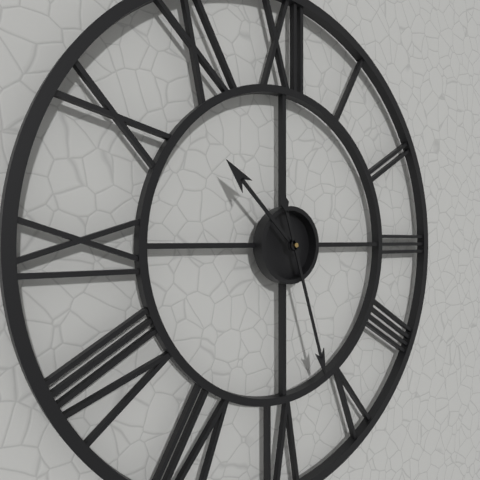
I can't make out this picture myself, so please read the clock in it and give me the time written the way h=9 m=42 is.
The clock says h=10 m=27
